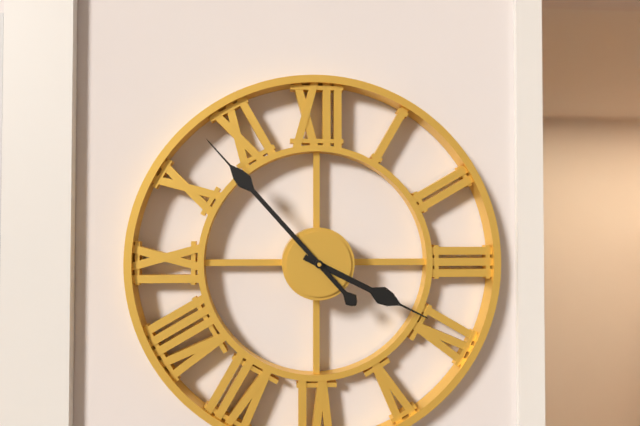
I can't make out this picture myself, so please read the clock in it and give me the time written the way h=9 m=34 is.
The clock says h=3 m=53
